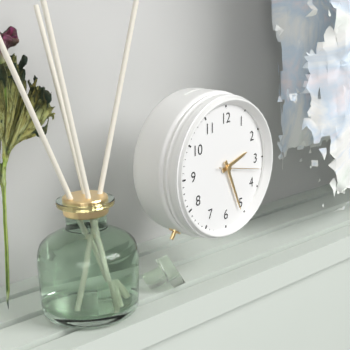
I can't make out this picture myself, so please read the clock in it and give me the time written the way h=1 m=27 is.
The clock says h=2 m=26
